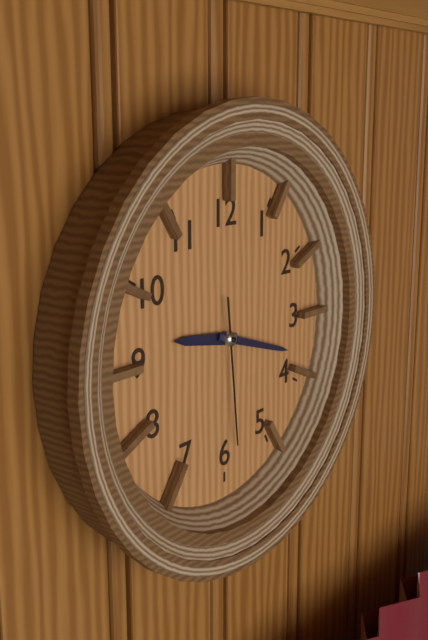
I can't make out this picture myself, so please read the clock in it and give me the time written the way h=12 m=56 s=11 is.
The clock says h=9 m=18 s=29
